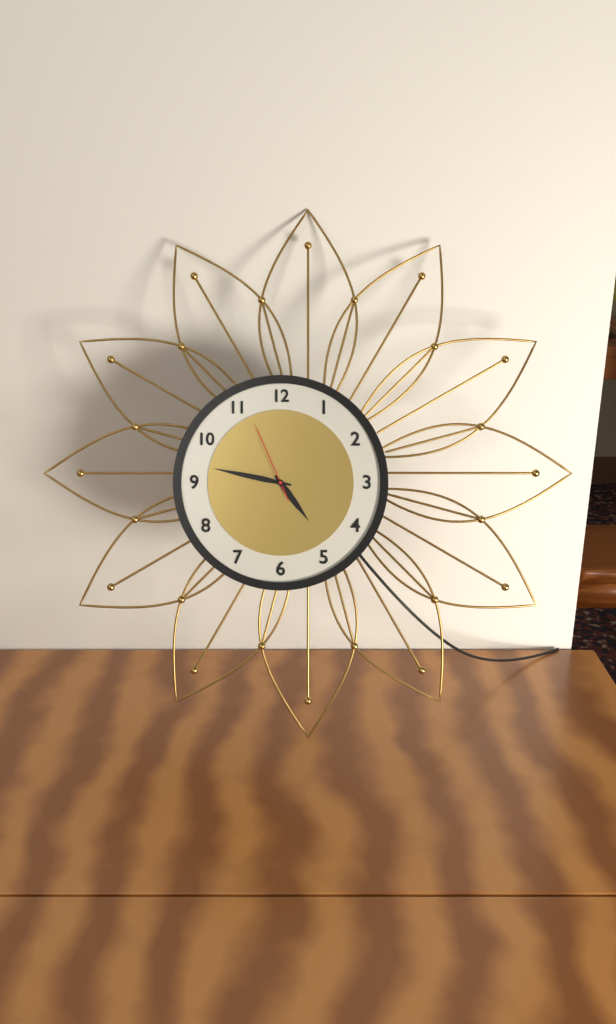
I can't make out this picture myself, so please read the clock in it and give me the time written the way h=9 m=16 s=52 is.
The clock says h=4 m=47 s=56
